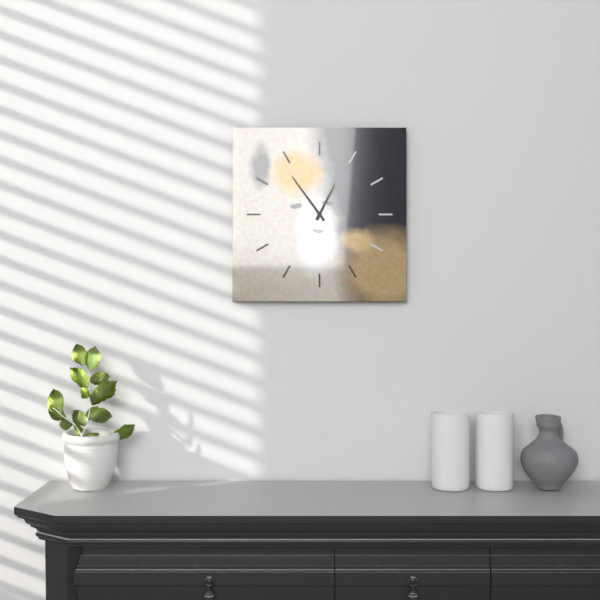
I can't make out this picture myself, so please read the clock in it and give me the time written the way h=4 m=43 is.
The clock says h=12 m=54
